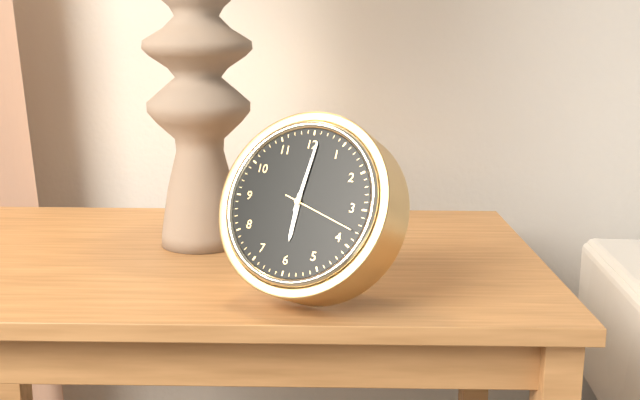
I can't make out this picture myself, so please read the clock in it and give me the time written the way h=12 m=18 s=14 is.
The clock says h=6 m=1 s=18
